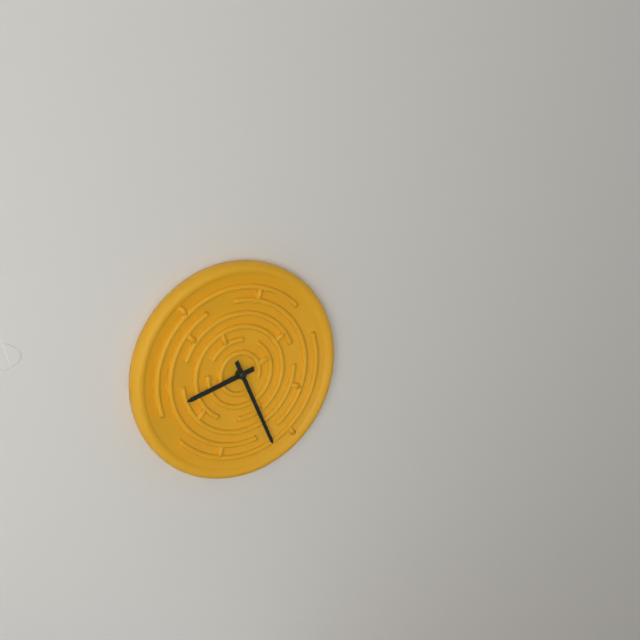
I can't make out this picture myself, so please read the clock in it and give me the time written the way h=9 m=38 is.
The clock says h=8 m=26
